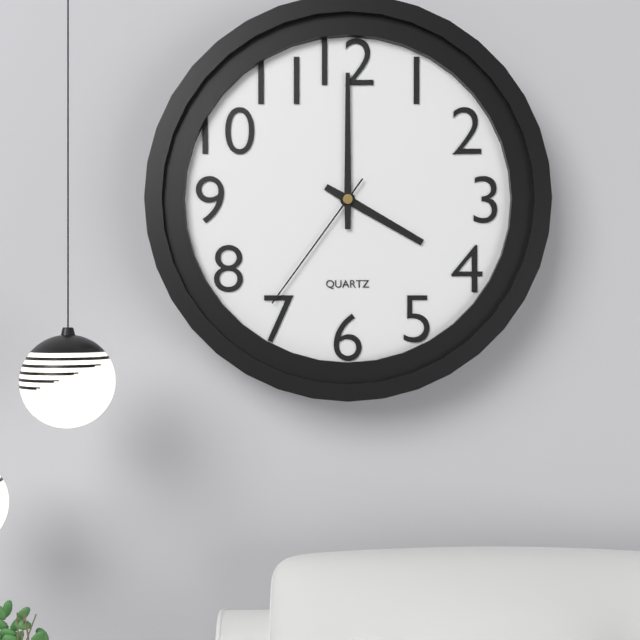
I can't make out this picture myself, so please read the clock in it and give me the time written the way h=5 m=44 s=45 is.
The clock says h=4 m=0 s=36
